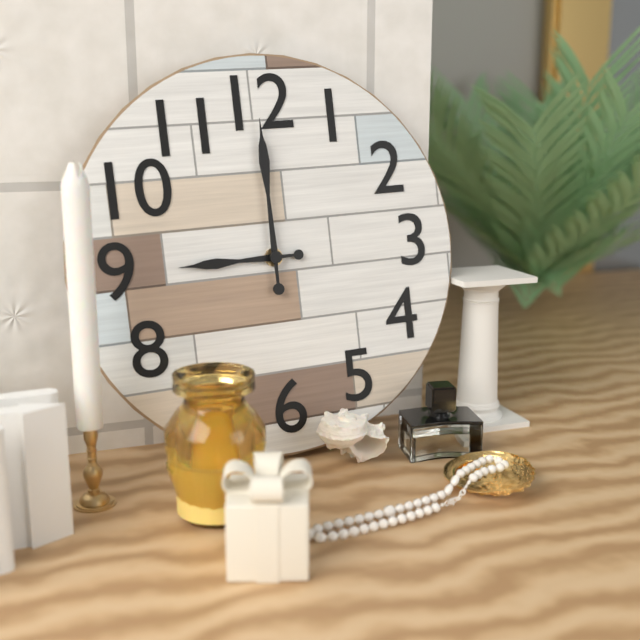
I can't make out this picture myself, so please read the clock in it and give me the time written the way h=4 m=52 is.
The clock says h=9 m=0
